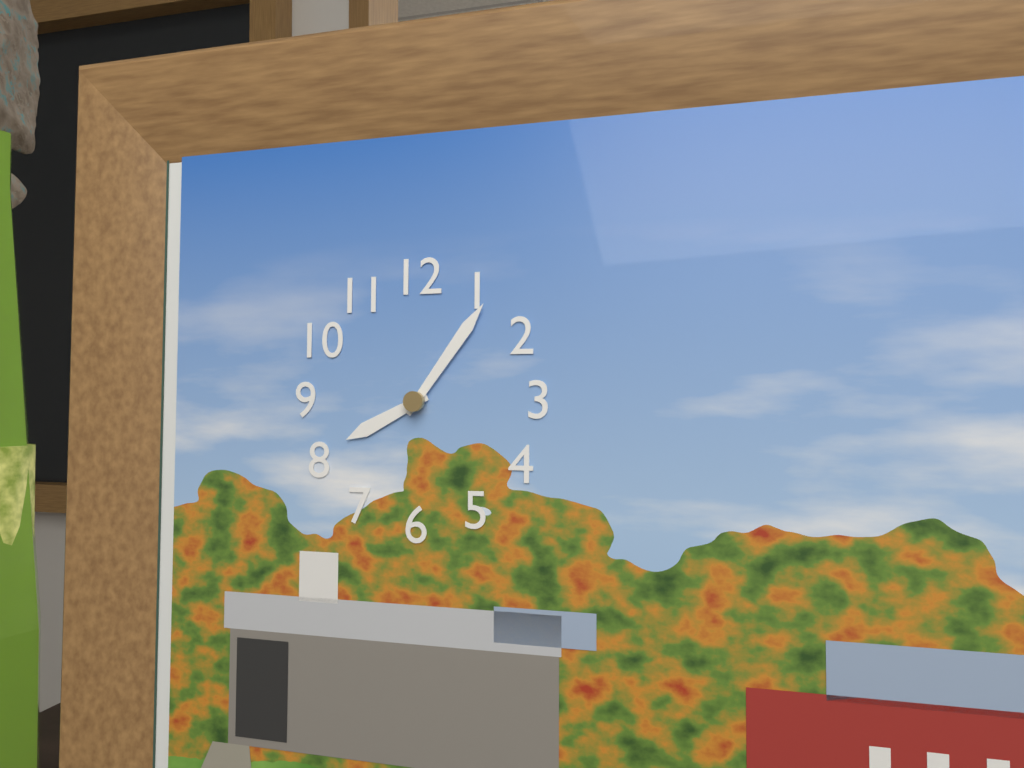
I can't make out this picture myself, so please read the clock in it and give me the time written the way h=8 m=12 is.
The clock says h=8 m=6
